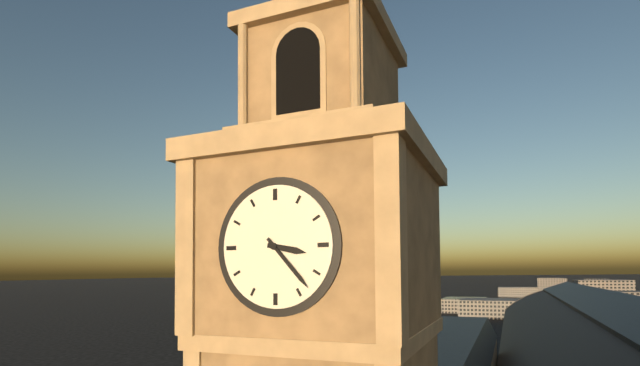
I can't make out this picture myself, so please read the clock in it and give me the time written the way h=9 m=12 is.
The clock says h=3 m=23
